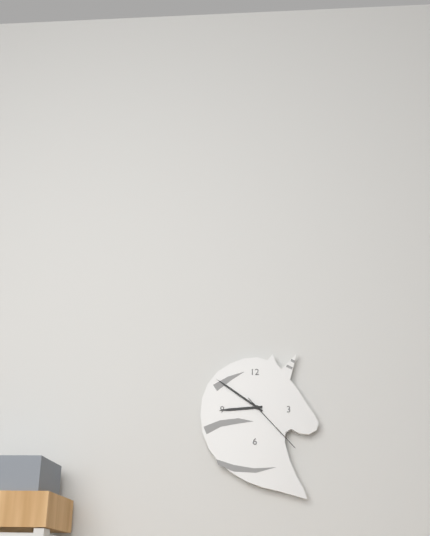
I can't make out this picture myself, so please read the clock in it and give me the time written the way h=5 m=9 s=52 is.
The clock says h=8 m=51 s=23
